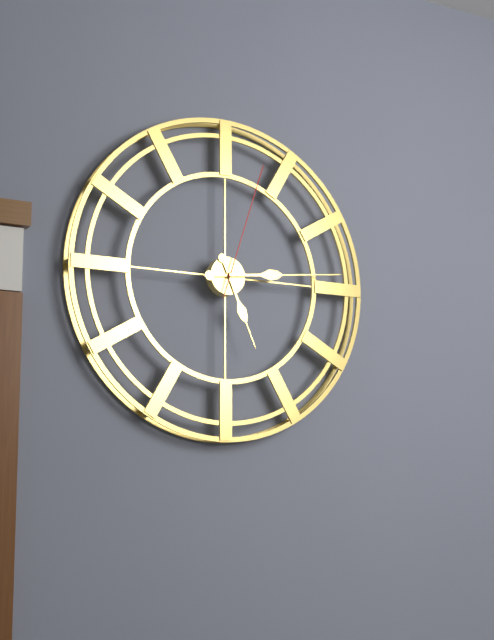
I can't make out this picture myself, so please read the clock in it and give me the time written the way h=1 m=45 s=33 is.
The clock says h=5 m=14 s=3
